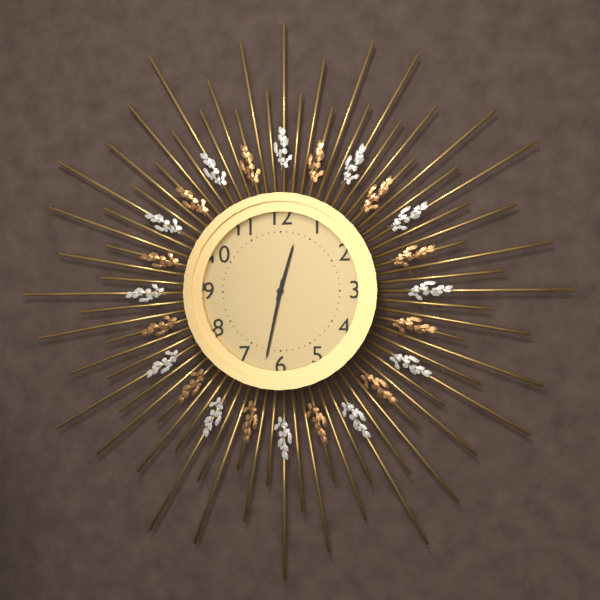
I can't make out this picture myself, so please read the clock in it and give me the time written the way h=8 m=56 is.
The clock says h=12 m=32
